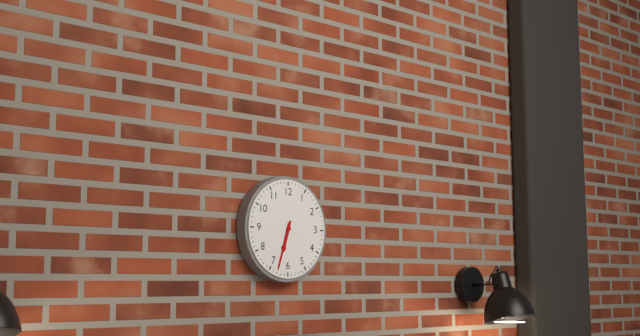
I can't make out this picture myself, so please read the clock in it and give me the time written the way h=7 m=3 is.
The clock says h=6 m=33
